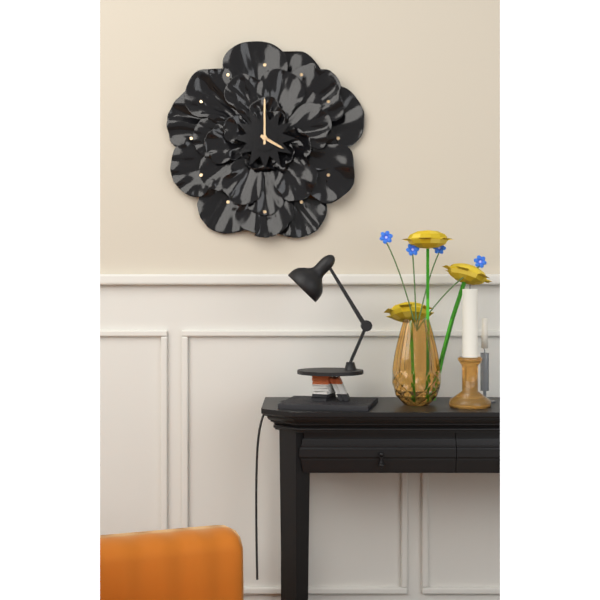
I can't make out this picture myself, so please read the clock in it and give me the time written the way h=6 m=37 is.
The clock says h=4 m=0
